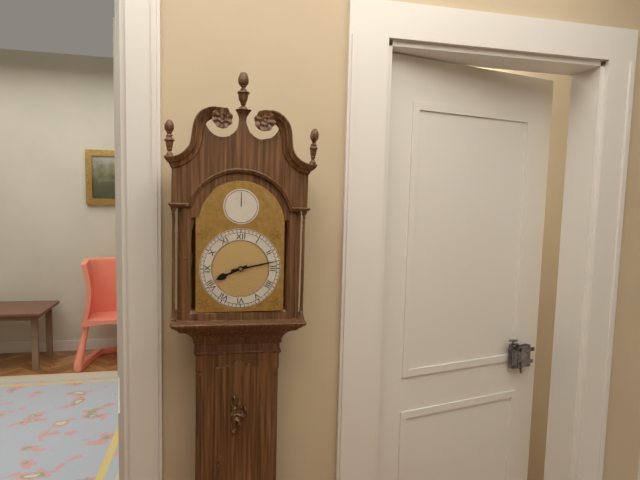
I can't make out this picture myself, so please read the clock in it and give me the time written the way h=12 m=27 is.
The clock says h=8 m=13
